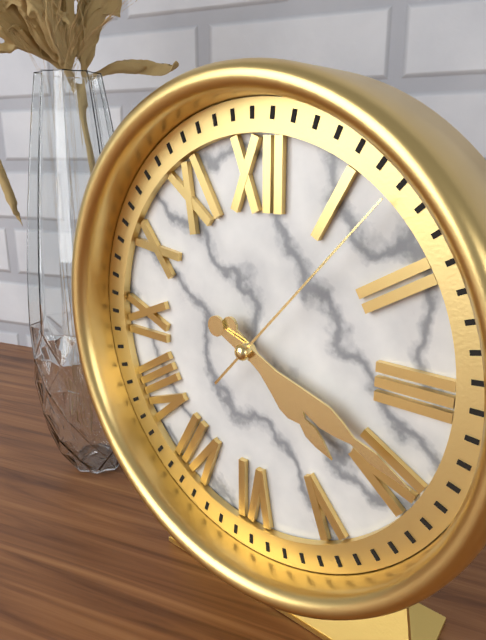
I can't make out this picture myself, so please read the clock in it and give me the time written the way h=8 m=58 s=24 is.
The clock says h=4 m=19 s=7
